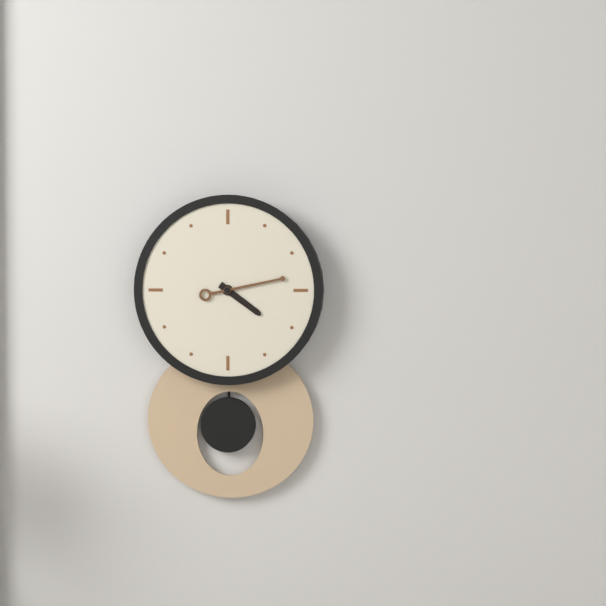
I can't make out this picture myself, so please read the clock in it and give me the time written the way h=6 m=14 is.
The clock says h=4 m=13
